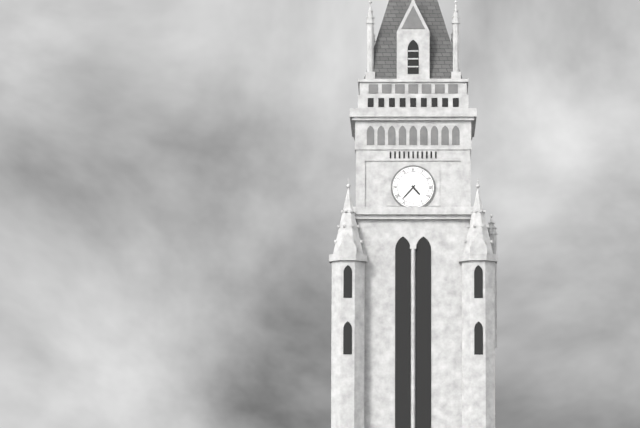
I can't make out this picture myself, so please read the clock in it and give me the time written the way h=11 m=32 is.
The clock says h=4 m=37
